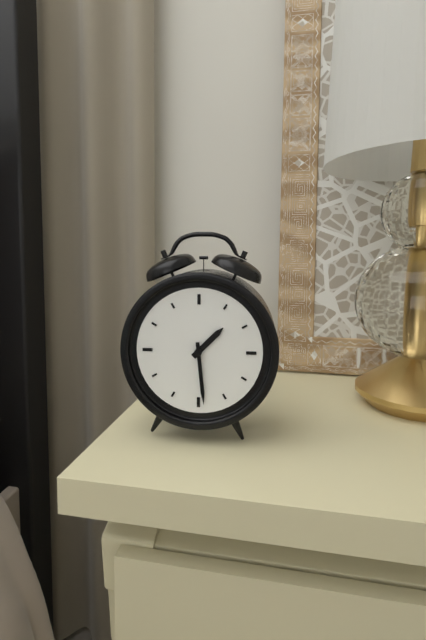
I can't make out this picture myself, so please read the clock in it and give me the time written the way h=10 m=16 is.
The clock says h=1 m=29
